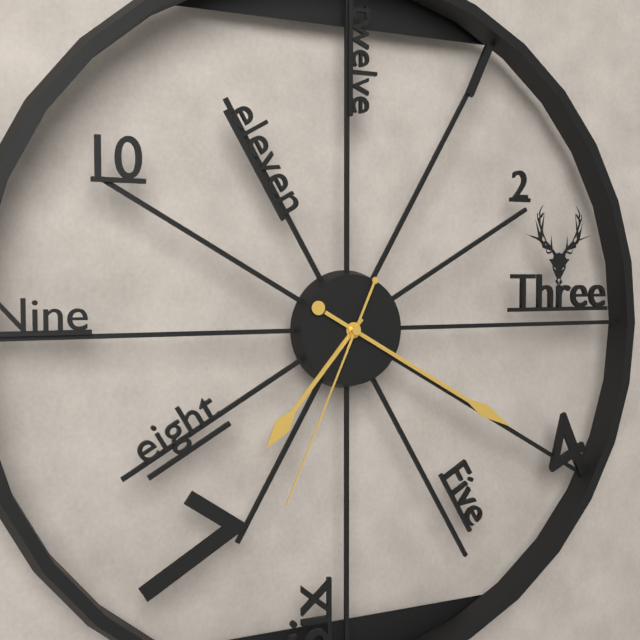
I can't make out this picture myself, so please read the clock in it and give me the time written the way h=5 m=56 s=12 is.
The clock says h=7 m=20 s=34
